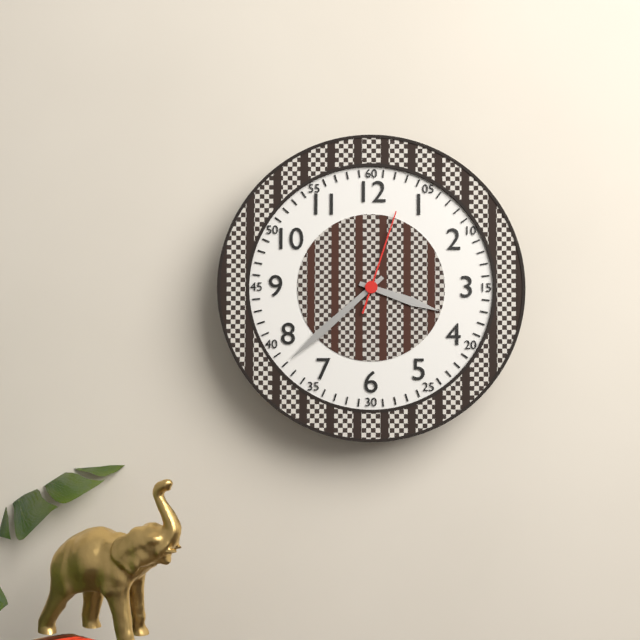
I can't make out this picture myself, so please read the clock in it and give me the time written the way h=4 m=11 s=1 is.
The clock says h=3 m=38 s=3
